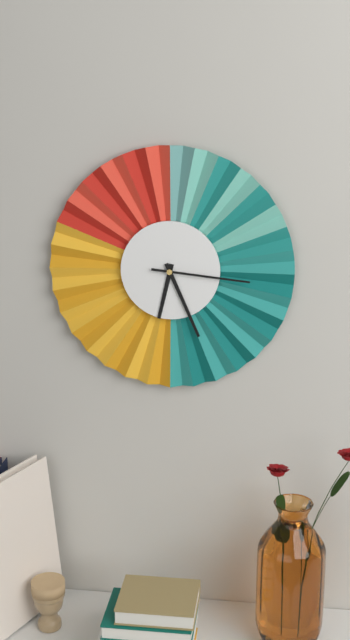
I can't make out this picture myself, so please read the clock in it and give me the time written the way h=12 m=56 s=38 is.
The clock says h=6 m=26 s=16
